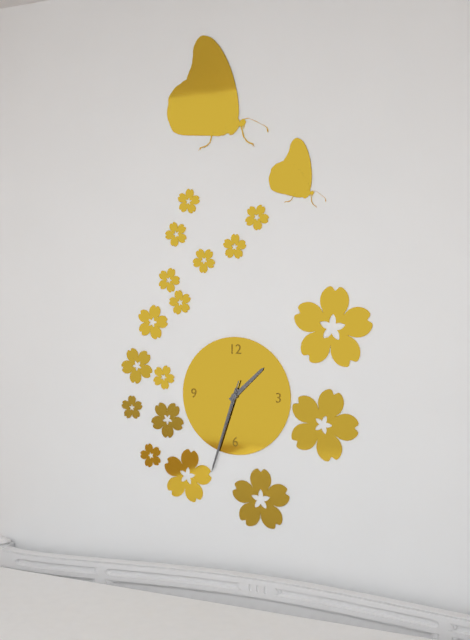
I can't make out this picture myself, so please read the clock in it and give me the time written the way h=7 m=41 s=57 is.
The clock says h=1 m=33 s=33
